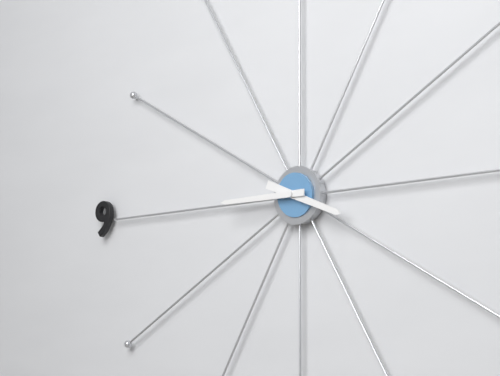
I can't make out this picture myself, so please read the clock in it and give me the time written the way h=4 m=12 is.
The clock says h=3 m=45
